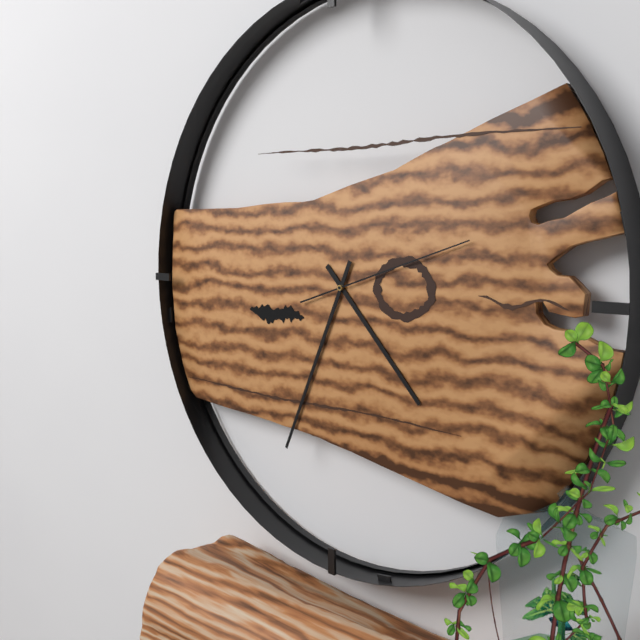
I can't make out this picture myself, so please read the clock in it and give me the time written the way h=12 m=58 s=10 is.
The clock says h=4 m=34 s=12
